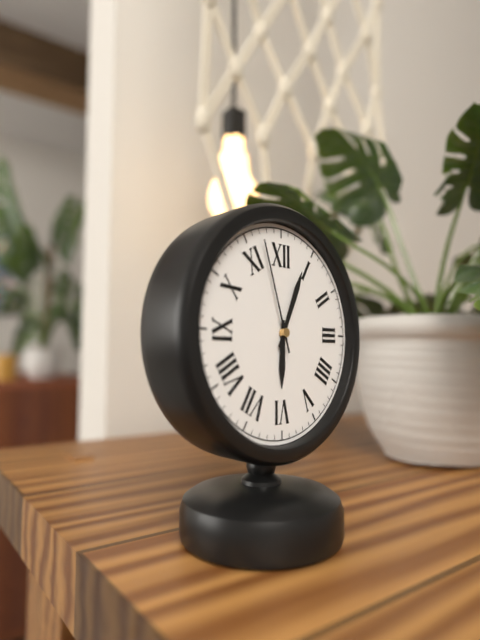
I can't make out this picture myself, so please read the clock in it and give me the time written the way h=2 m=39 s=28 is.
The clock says h=6 m=4 s=57
